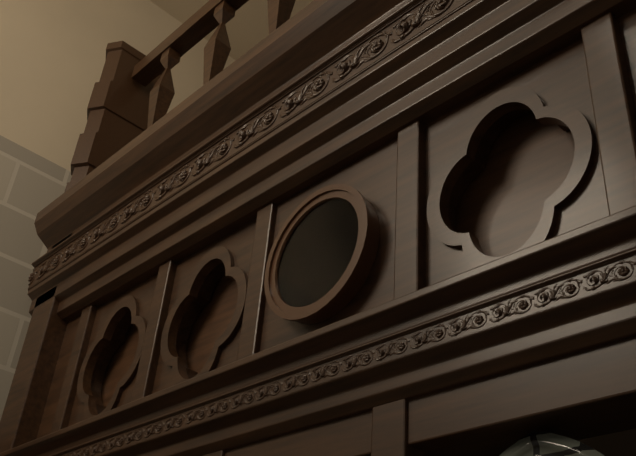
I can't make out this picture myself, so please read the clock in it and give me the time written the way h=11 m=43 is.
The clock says h=11 m=58
